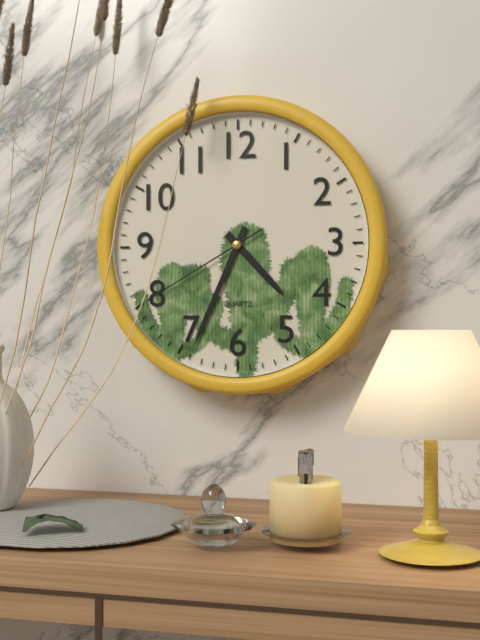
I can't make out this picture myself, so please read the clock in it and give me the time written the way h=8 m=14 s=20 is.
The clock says h=4 m=34 s=40
